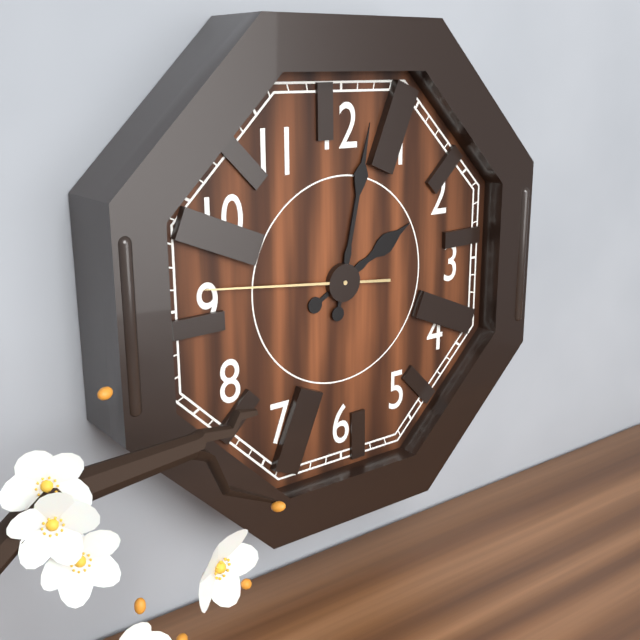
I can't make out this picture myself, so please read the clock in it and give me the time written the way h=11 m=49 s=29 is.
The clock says h=2 m=2 s=46
